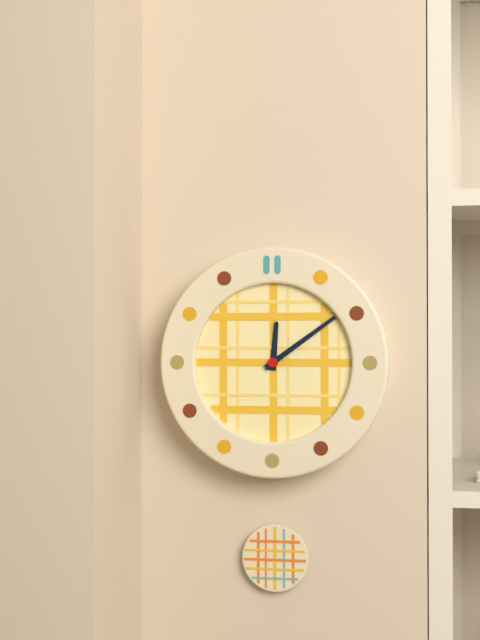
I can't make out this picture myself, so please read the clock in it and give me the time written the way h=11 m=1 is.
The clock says h=12 m=9
